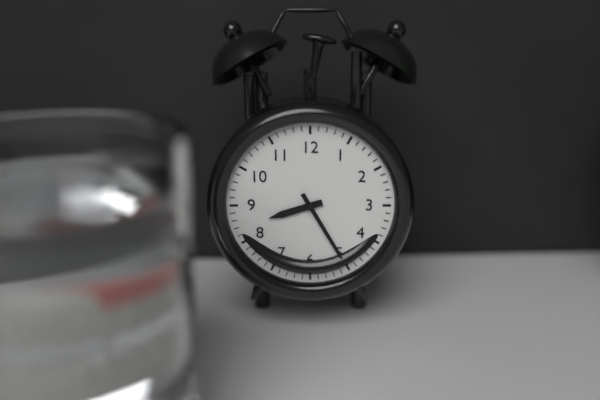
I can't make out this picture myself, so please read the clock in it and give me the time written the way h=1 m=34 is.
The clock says h=8 m=25
